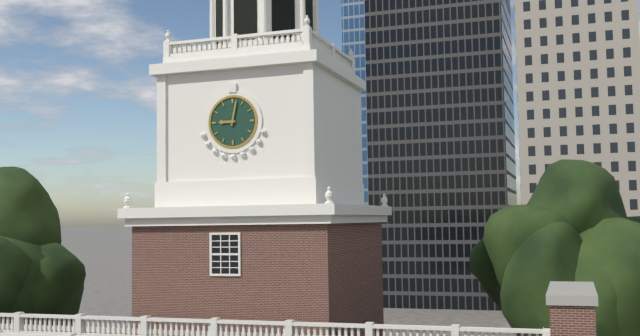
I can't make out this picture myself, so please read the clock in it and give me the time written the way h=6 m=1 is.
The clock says h=9 m=2
